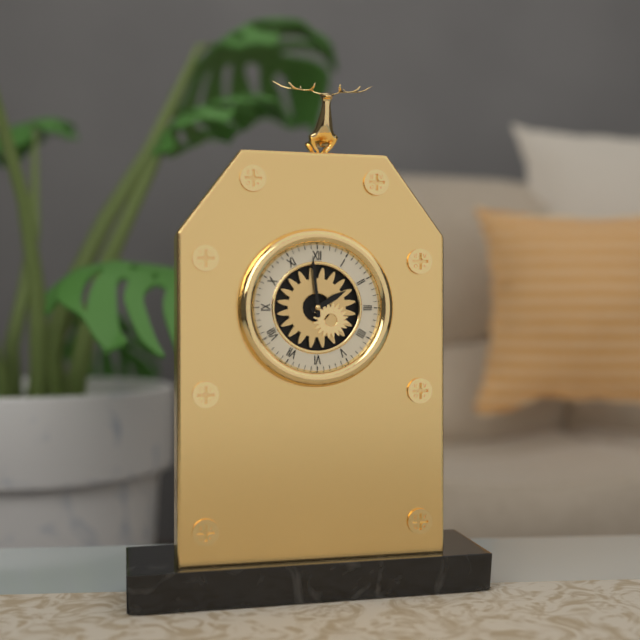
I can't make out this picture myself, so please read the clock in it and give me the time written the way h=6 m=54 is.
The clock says h=1 m=59
